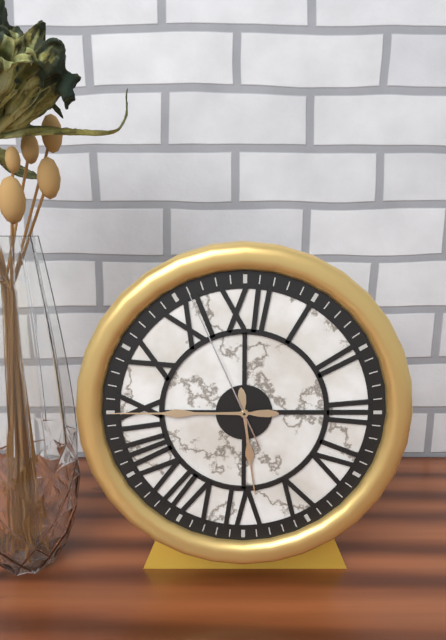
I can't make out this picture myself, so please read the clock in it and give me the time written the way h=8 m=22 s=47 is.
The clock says h=5 m=45 s=56
